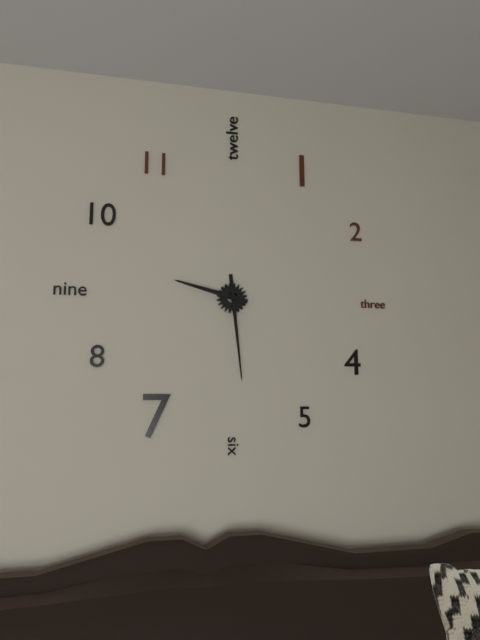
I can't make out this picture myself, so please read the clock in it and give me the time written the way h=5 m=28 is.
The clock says h=9 m=29
